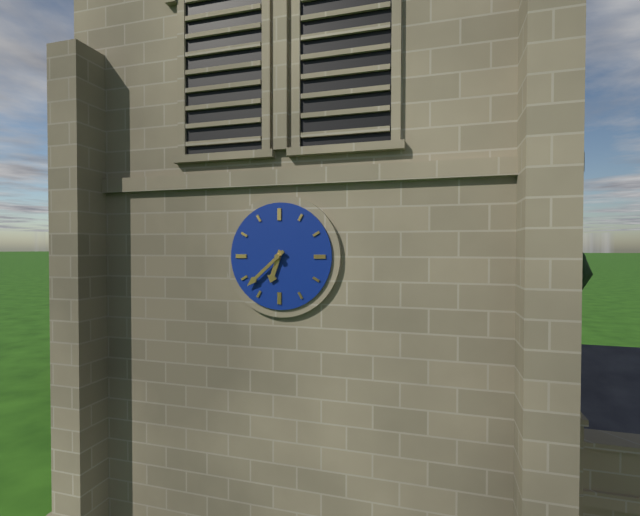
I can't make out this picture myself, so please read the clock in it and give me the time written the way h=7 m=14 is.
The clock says h=6 m=38
